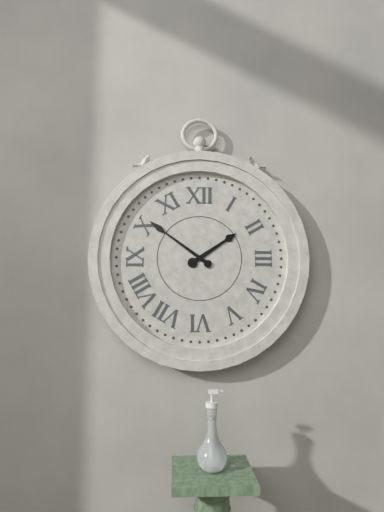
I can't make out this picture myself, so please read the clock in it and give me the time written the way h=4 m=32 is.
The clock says h=1 m=51
